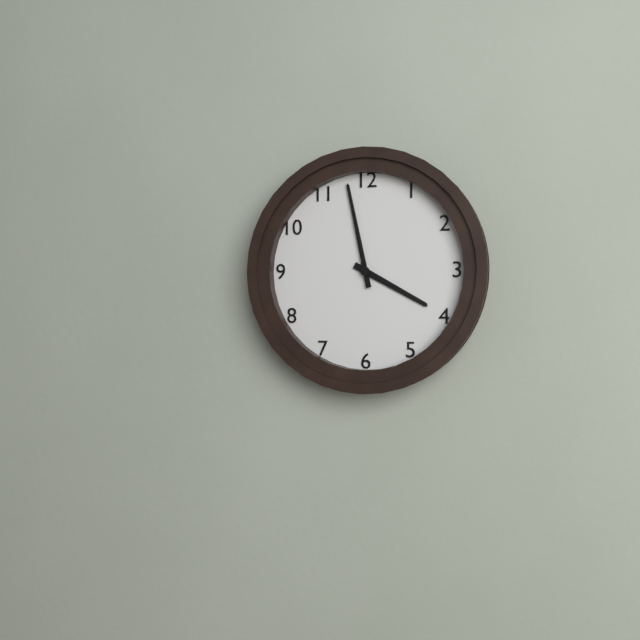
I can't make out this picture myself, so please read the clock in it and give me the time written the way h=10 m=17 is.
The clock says h=3 m=58
